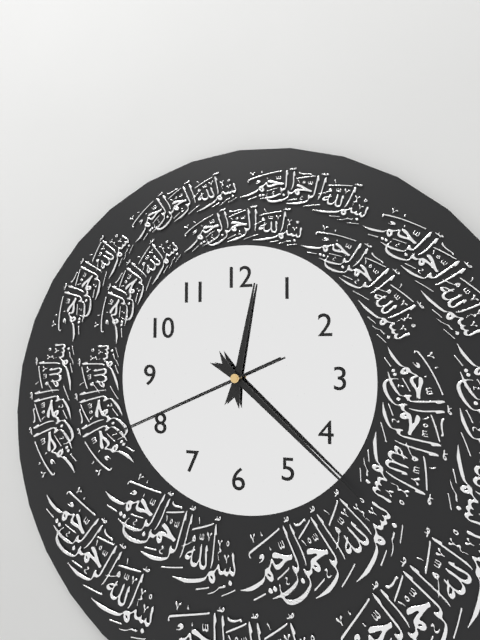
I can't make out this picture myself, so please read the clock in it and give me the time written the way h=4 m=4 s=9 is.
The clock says h=12 m=22 s=41
